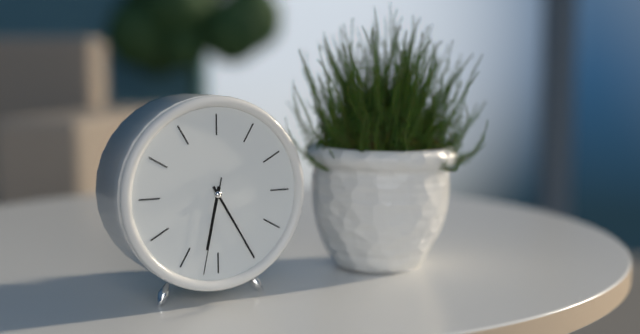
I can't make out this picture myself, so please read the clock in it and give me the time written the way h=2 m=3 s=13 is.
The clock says h=6 m=25 s=32
